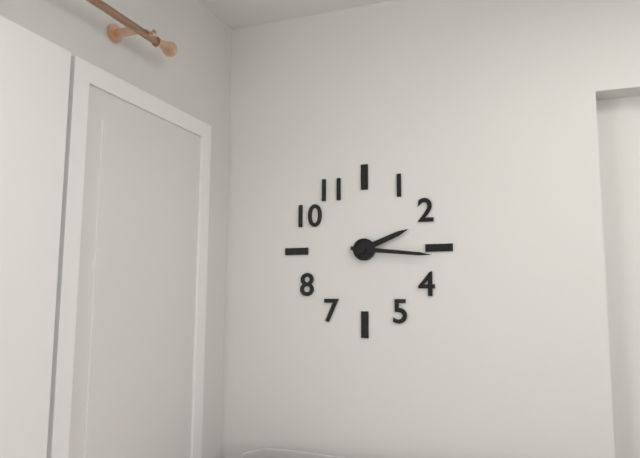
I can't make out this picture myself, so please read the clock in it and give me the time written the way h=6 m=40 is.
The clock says h=2 m=16
